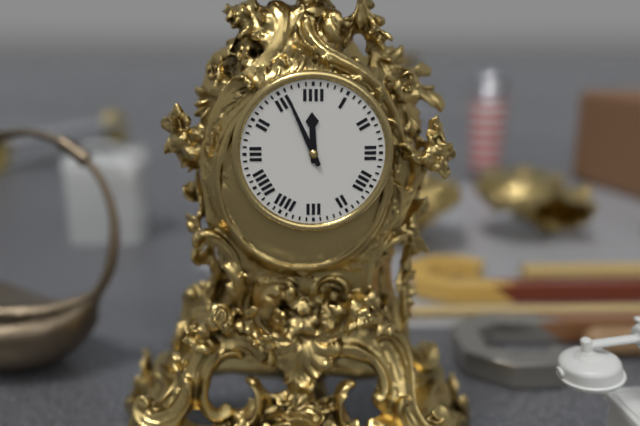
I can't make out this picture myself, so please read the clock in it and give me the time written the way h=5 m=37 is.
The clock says h=11 m=56
